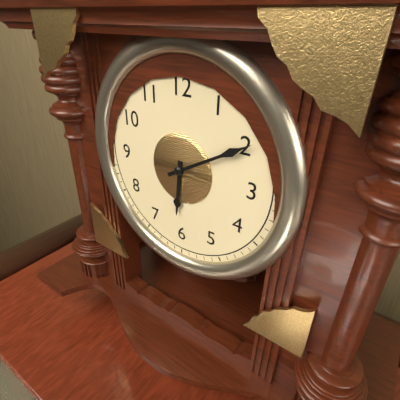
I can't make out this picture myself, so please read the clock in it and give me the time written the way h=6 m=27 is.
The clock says h=6 m=10
